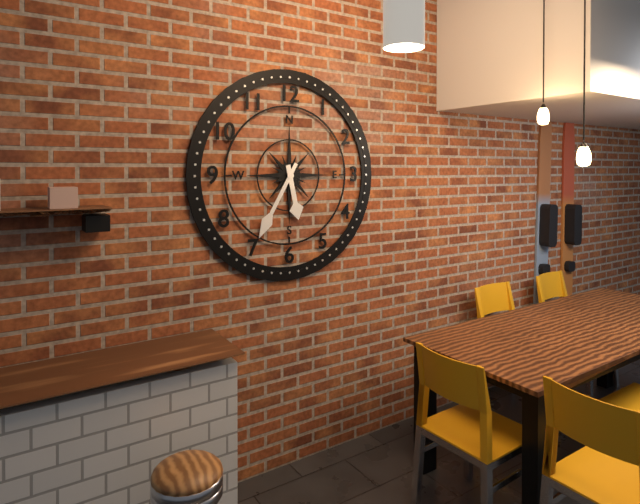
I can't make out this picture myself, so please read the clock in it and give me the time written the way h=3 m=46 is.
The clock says h=5 m=35
